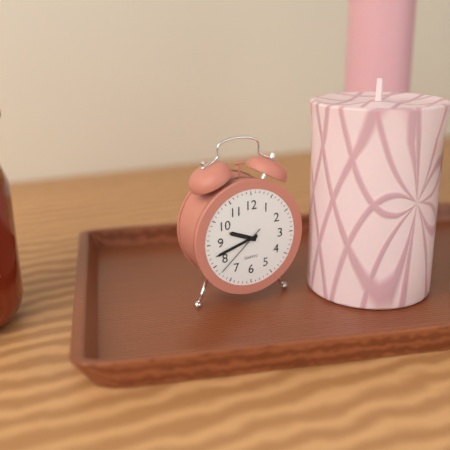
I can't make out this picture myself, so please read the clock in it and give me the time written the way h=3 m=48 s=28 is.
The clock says h=9 m=42 s=38
